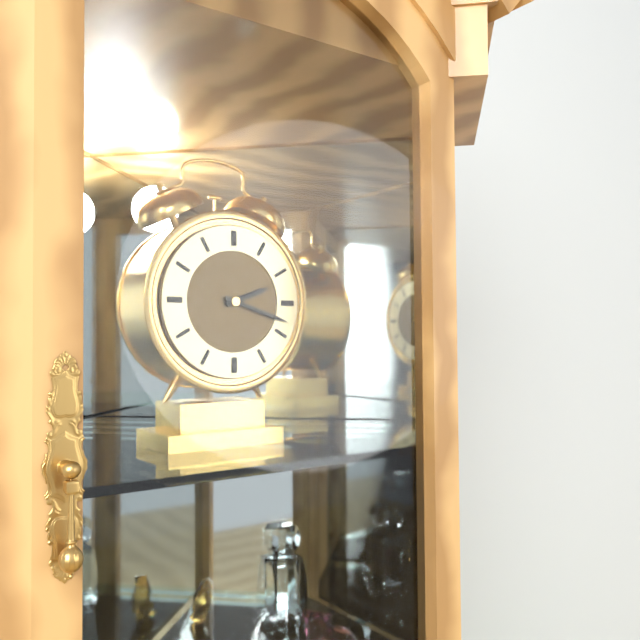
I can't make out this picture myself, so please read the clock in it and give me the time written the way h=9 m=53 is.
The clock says h=2 m=18
